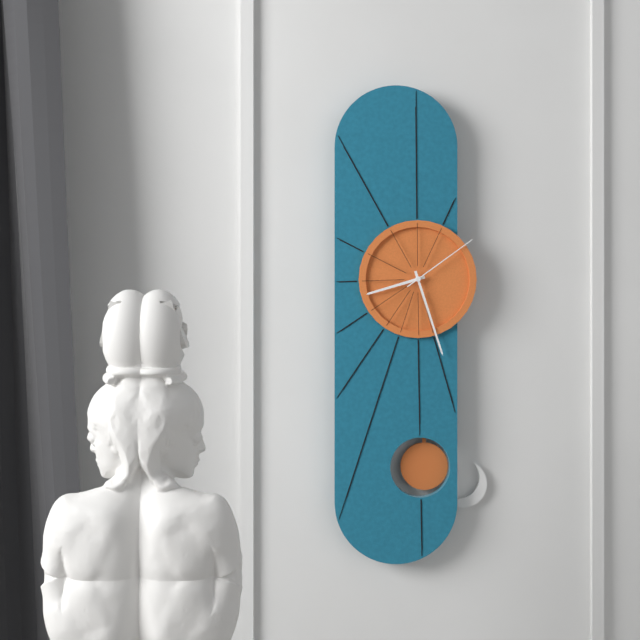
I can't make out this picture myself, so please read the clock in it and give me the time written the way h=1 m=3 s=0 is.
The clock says h=8 m=27 s=9
